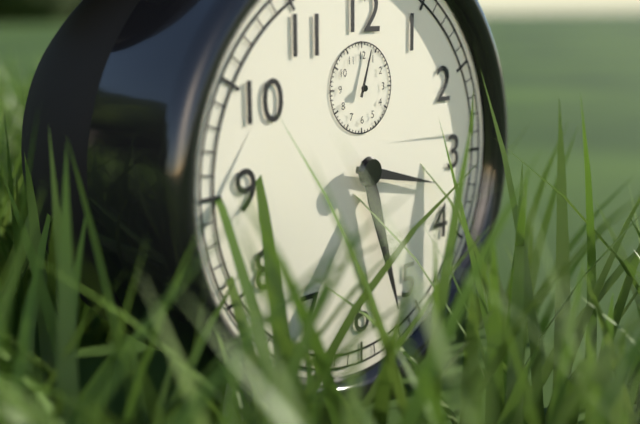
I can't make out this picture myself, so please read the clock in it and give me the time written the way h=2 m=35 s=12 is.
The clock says h=3 m=27 s=3
